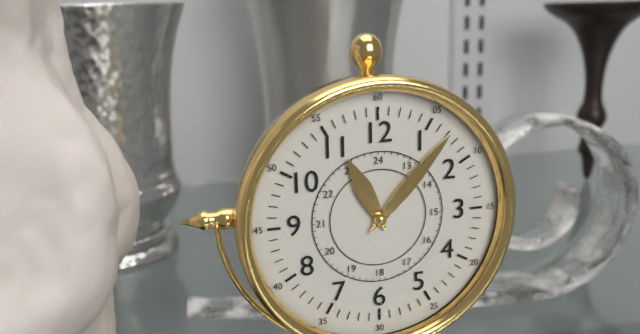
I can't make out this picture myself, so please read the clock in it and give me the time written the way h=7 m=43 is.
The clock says h=11 m=7
